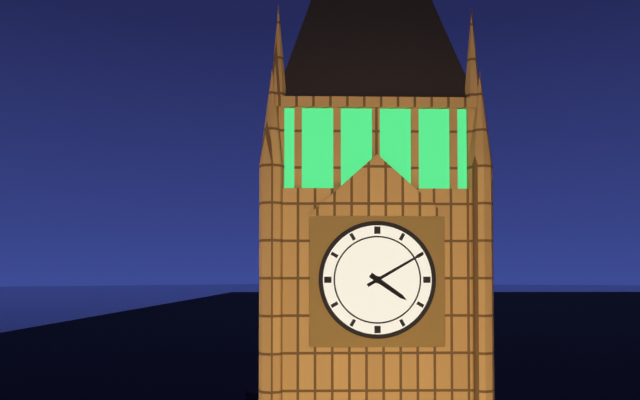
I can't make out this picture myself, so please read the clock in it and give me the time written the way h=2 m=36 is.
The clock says h=4 m=10
